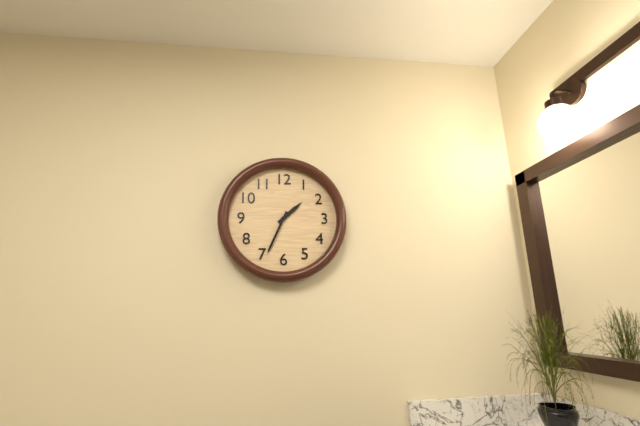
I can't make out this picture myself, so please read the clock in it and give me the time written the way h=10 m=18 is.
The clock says h=1 m=34
